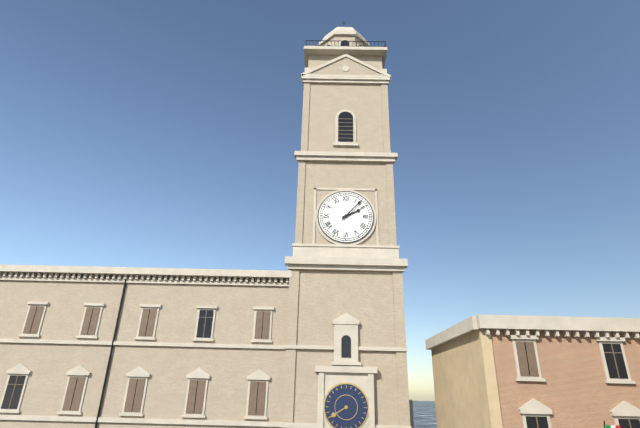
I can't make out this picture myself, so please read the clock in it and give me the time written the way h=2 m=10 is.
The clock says h=2 m=7
